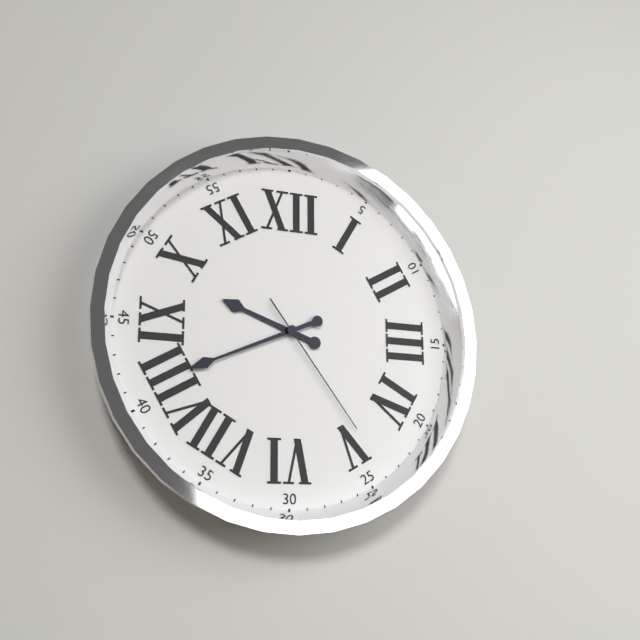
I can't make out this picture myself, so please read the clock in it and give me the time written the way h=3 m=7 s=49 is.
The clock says h=9 m=41 s=24
